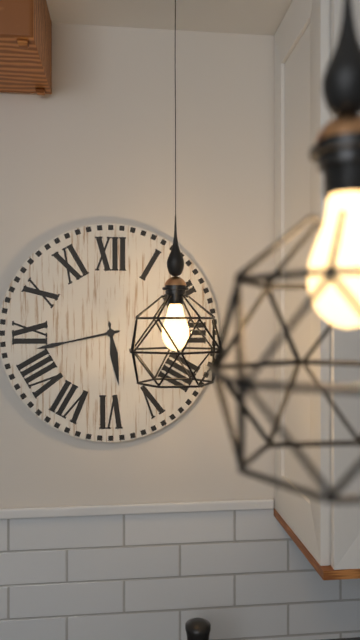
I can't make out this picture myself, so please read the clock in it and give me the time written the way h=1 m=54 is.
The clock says h=5 m=43
